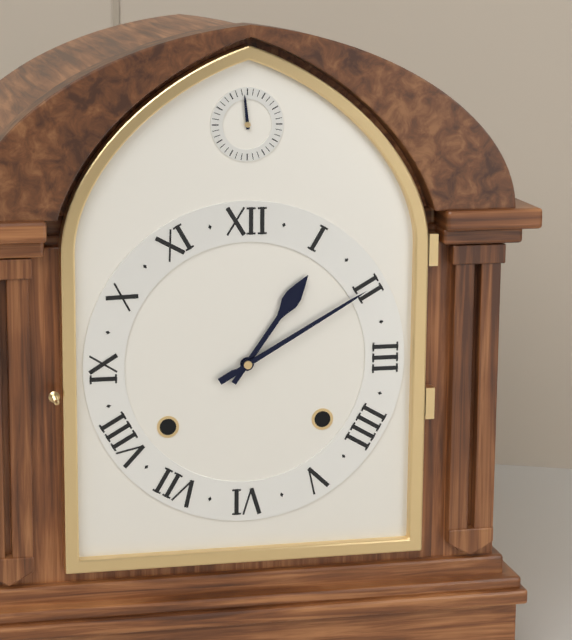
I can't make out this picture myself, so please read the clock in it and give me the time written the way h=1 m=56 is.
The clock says h=1 m=10
